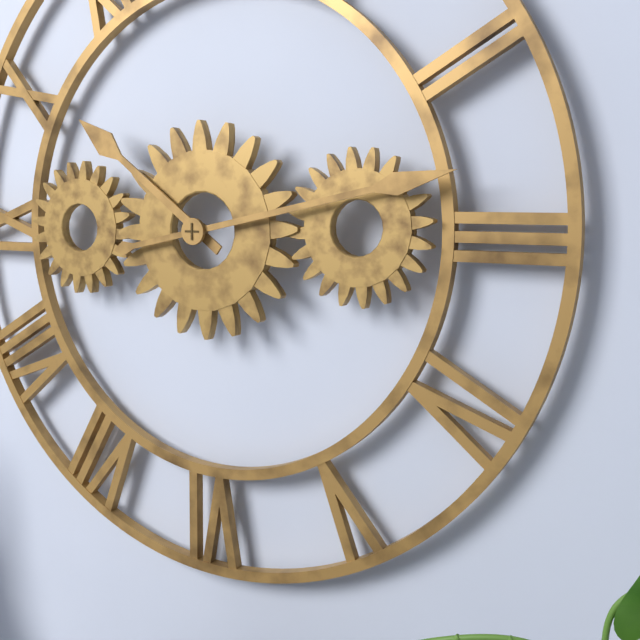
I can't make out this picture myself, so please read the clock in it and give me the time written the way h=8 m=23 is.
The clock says h=10 m=13
